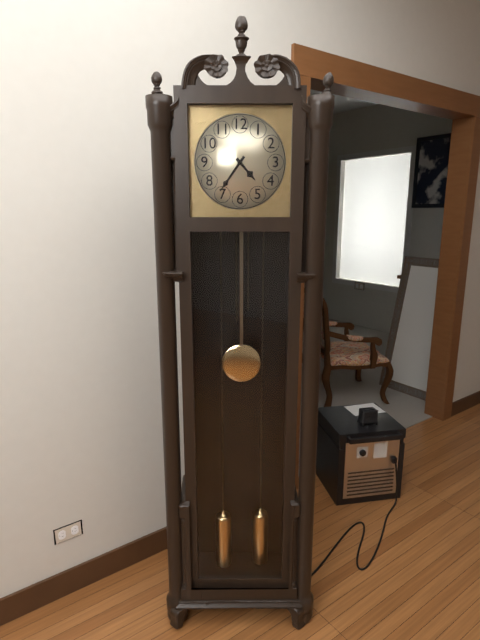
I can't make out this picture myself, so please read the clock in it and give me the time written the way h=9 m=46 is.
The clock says h=4 m=36
